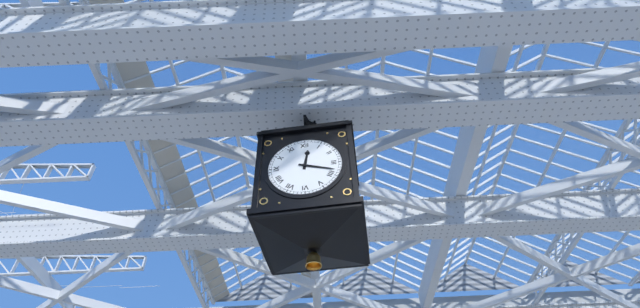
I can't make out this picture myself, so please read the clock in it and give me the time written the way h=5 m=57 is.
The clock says h=12 m=18
